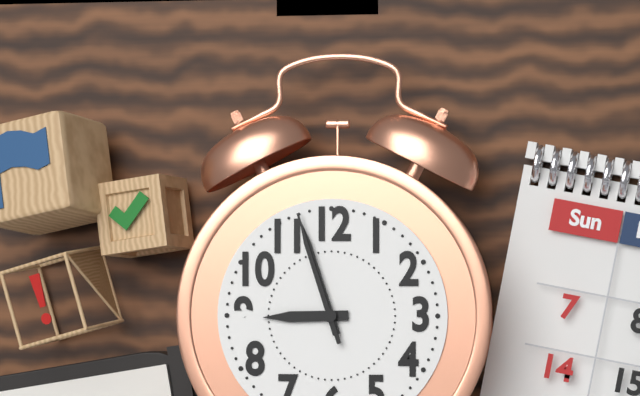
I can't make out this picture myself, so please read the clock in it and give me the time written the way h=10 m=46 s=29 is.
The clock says h=8 m=57 s=57
